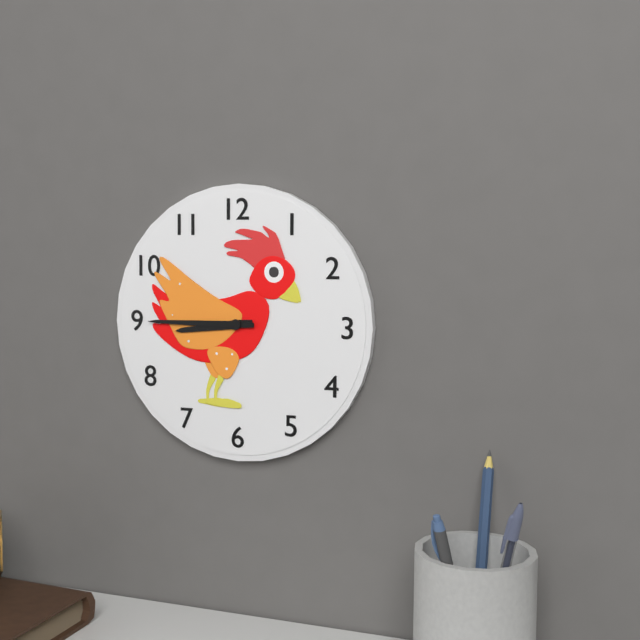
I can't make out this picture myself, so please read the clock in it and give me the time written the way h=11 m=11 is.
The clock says h=8 m=45
